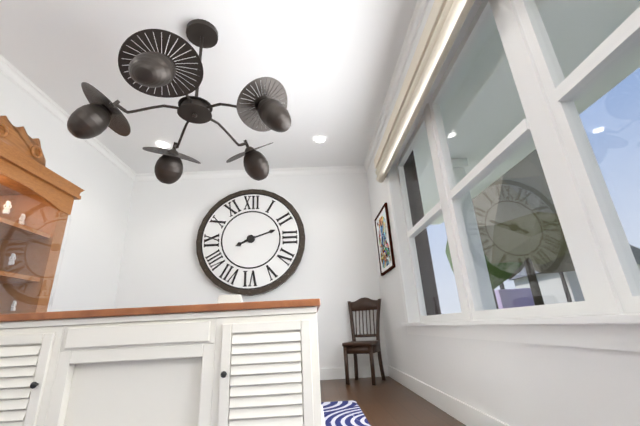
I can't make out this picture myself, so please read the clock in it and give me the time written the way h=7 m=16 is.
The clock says h=8 m=12
